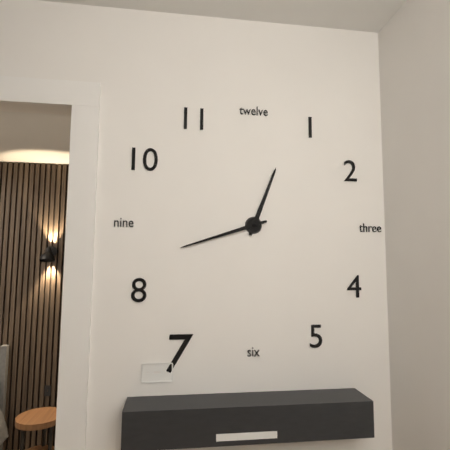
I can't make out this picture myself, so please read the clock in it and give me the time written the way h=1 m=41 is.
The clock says h=12 m=42
